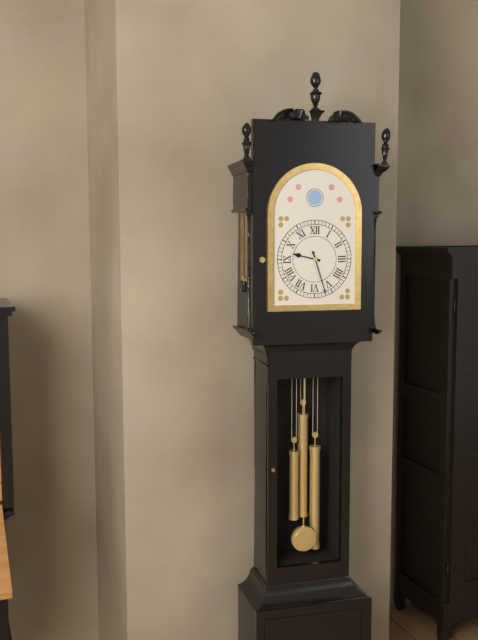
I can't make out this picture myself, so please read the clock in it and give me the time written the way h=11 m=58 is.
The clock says h=9 m=27
